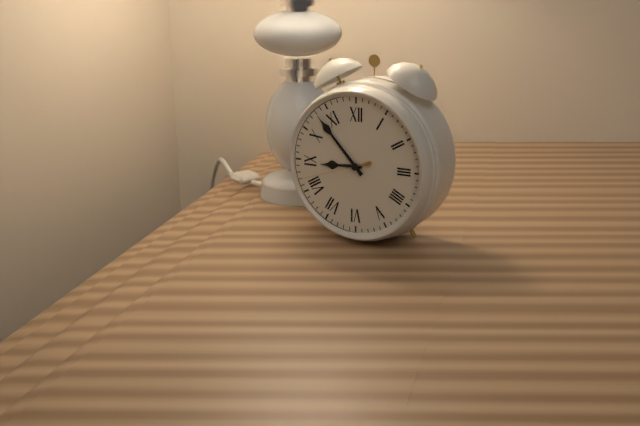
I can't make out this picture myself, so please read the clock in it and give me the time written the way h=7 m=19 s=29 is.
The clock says h=8 m=53 s=42
